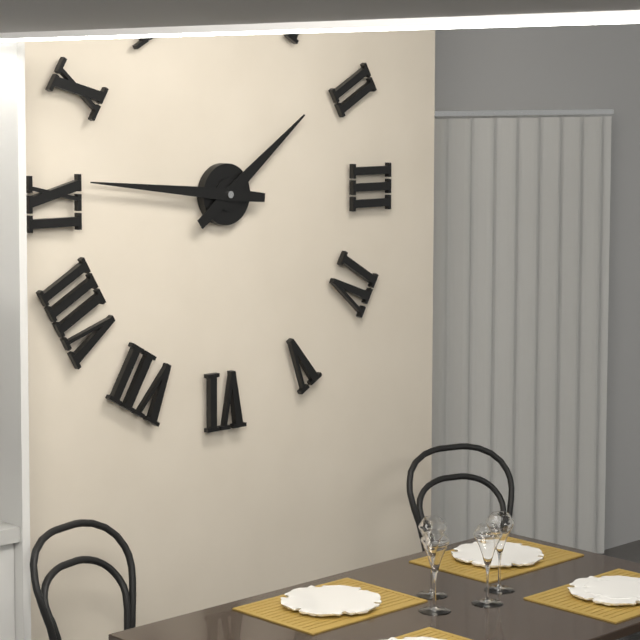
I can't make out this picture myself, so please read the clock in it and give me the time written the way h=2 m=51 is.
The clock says h=1 m=46
